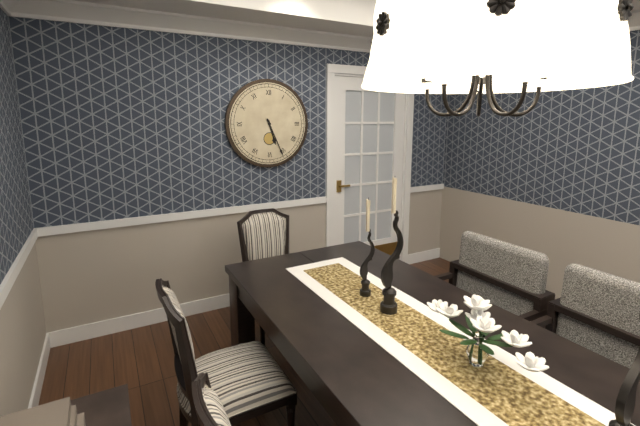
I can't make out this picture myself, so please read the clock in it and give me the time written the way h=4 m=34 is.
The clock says h=5 m=26
